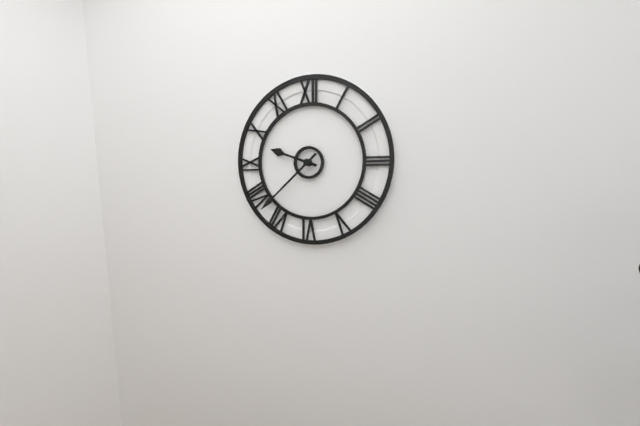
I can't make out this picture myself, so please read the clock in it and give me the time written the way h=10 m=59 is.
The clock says h=9 m=38
